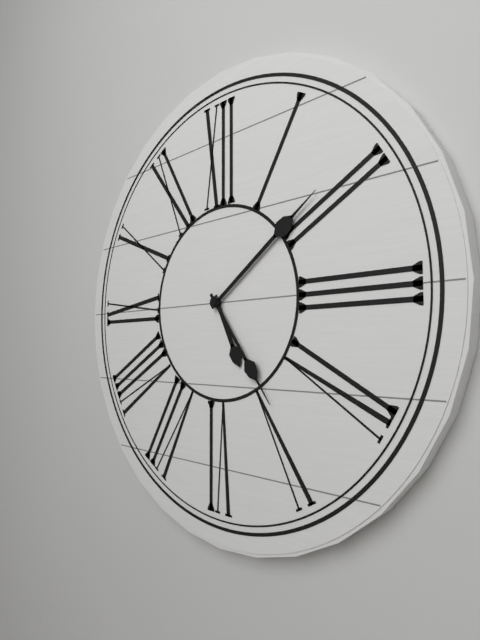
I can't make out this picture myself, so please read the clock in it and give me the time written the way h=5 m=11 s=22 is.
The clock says h=5 m=9 s=24
